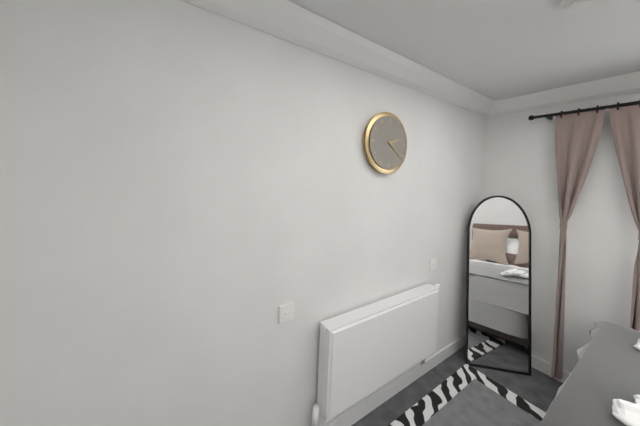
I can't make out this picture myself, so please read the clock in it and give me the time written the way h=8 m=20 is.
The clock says h=2 m=21
